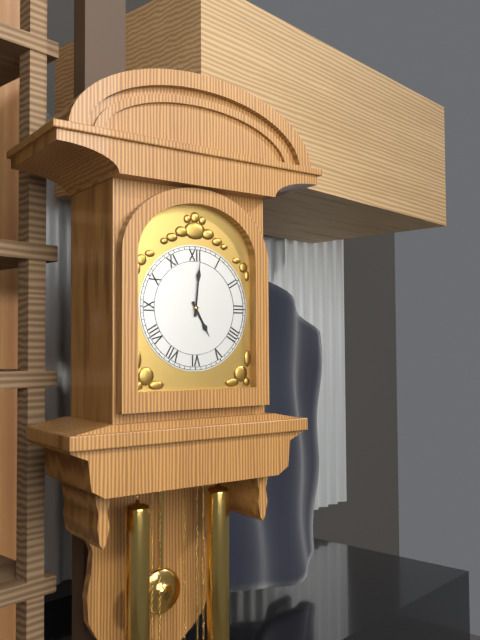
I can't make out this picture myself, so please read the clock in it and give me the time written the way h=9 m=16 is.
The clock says h=5 m=1
